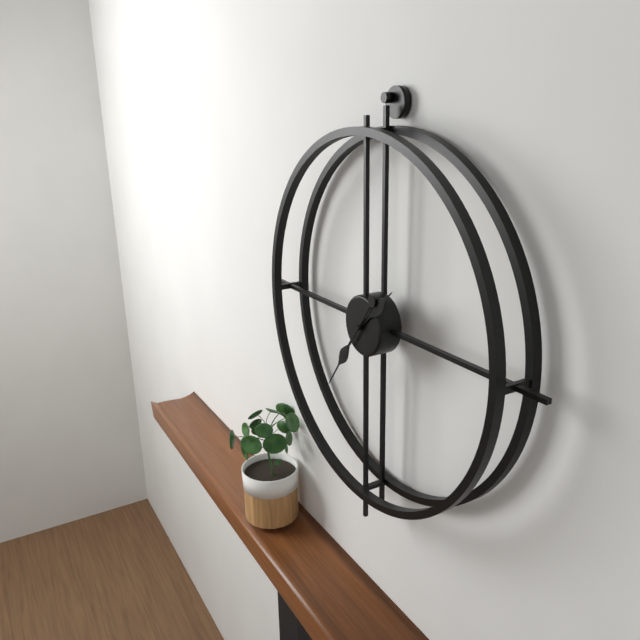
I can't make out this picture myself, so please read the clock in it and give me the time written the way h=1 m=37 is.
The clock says h=1 m=36
